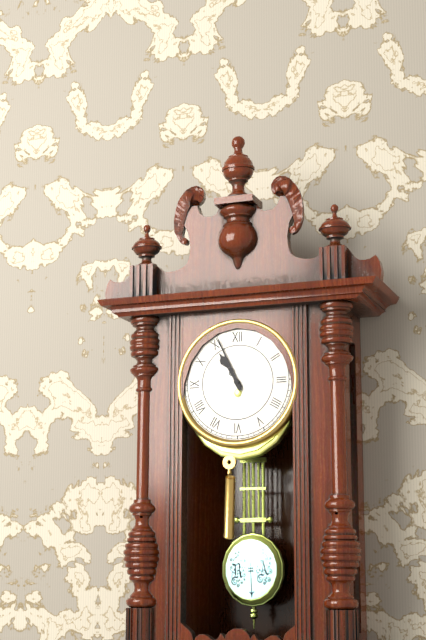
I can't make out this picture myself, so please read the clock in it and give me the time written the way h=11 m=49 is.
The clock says h=10 m=56
